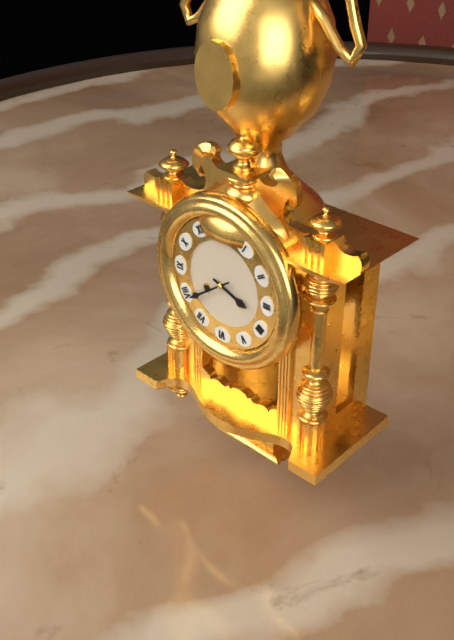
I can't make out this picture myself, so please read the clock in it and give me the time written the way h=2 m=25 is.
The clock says h=3 m=39
